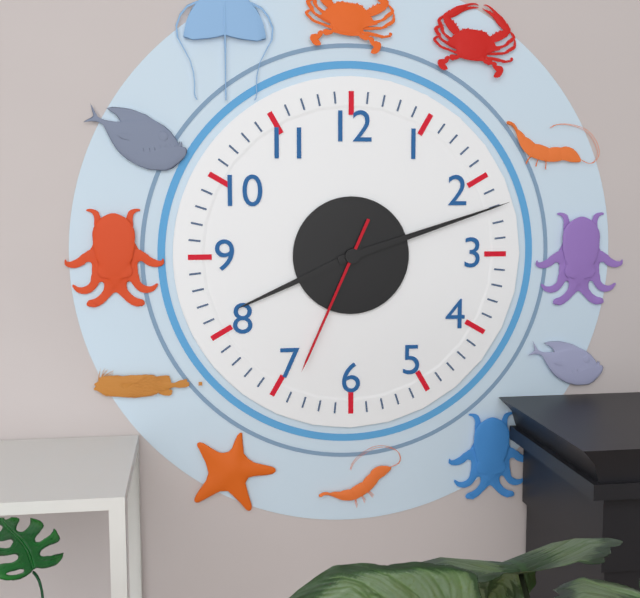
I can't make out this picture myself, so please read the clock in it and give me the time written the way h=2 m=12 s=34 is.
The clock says h=8 m=12 s=34
